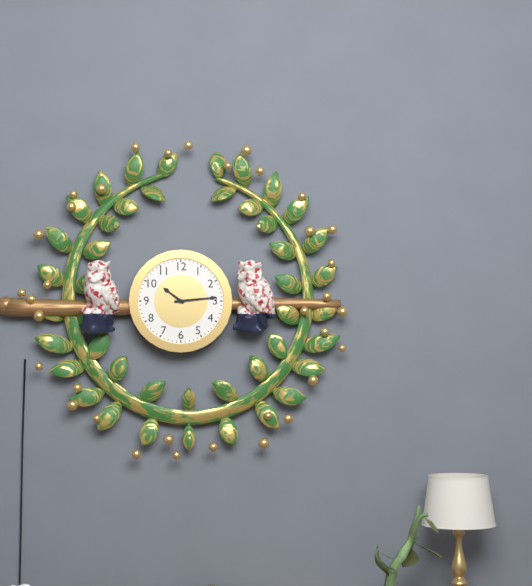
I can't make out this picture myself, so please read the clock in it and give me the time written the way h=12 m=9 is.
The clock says h=10 m=14
